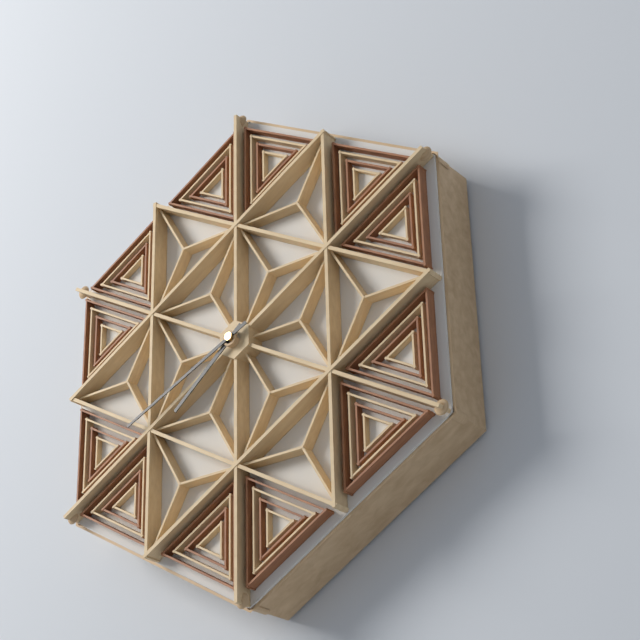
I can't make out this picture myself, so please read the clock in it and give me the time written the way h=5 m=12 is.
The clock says h=7 m=41
